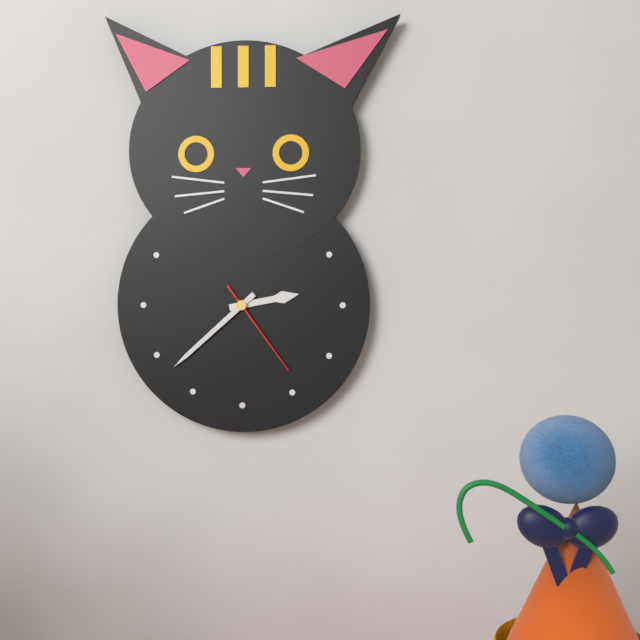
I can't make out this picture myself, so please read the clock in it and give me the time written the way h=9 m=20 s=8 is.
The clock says h=2 m=38 s=24
